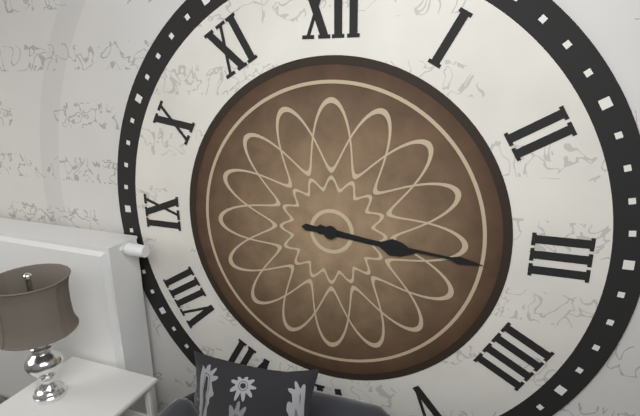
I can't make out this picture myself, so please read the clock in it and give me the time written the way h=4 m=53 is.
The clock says h=3 m=16
